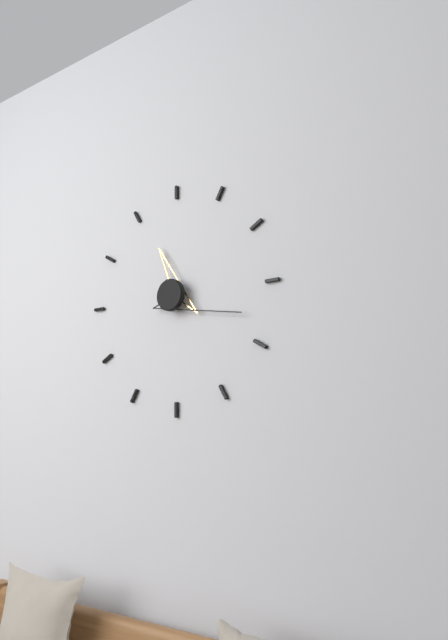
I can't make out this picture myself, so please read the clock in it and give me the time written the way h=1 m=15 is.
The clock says h=11 m=18
